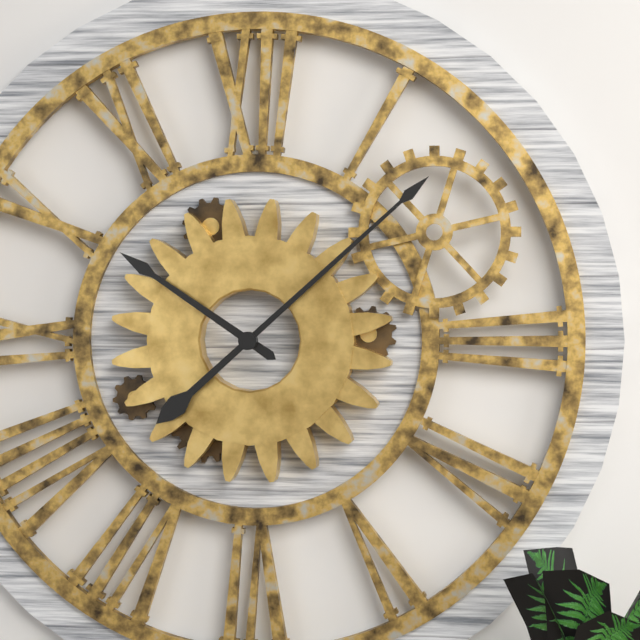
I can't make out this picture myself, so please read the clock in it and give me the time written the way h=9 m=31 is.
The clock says h=10 m=8
